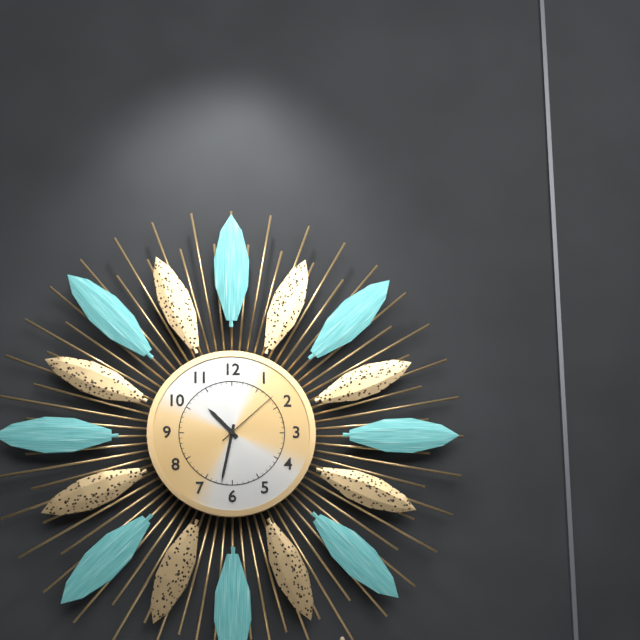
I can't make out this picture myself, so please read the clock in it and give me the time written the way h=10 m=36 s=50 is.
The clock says h=10 m=32 s=8
